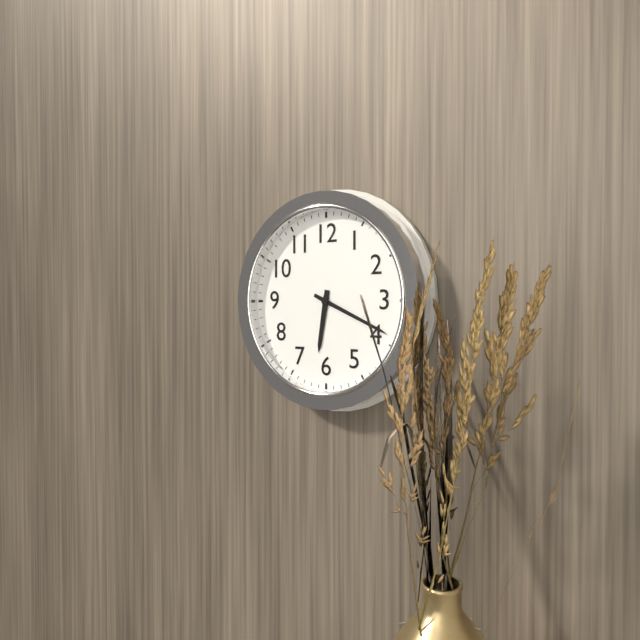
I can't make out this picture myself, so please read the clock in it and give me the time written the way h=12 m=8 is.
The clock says h=6 m=19
